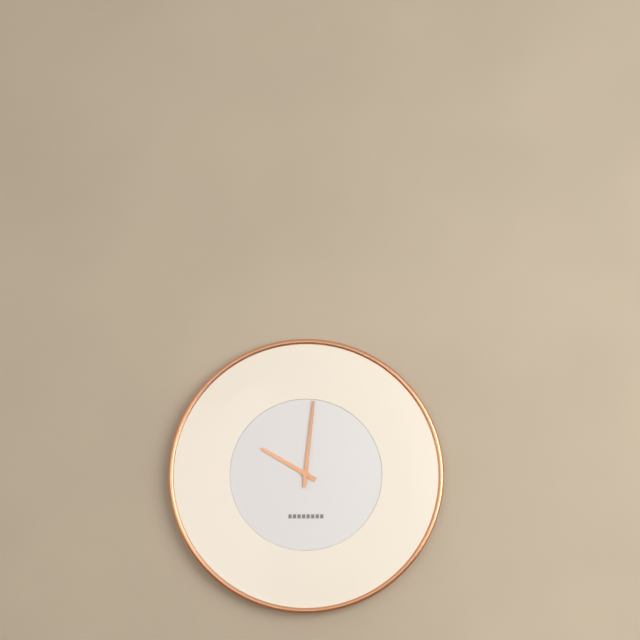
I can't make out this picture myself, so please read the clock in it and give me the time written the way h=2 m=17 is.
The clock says h=10 m=1
